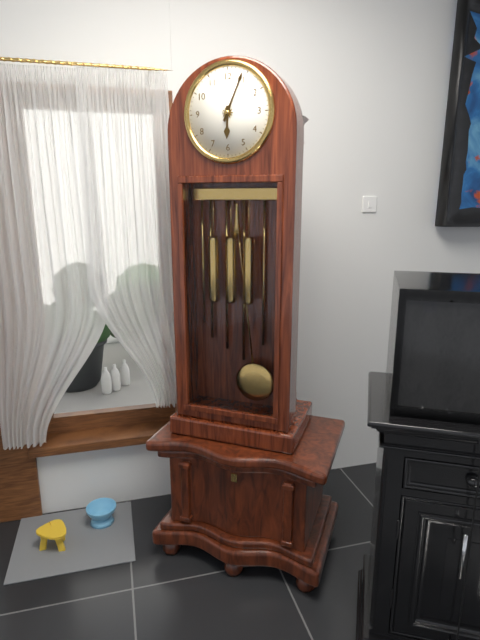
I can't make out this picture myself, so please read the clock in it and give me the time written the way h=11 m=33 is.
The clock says h=6 m=4
